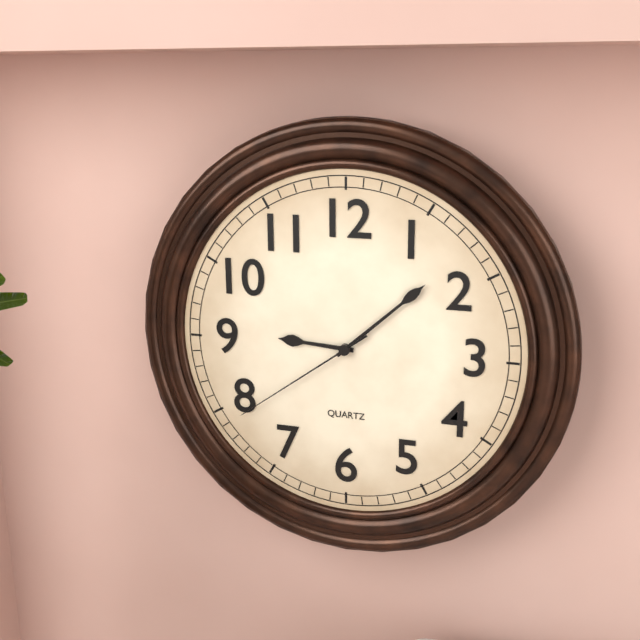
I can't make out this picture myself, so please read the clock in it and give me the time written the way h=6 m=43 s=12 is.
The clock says h=9 m=8 s=39
